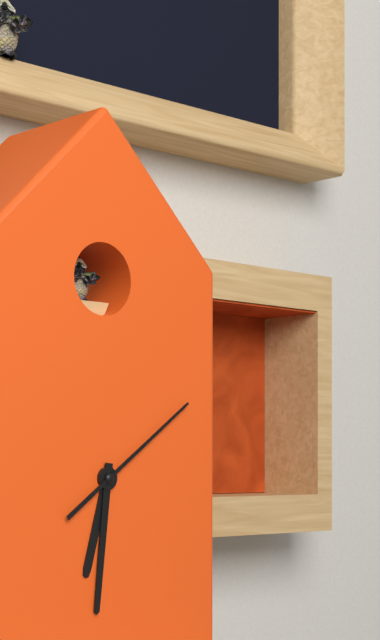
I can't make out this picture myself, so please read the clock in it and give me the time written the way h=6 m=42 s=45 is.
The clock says h=6 m=31 s=9
